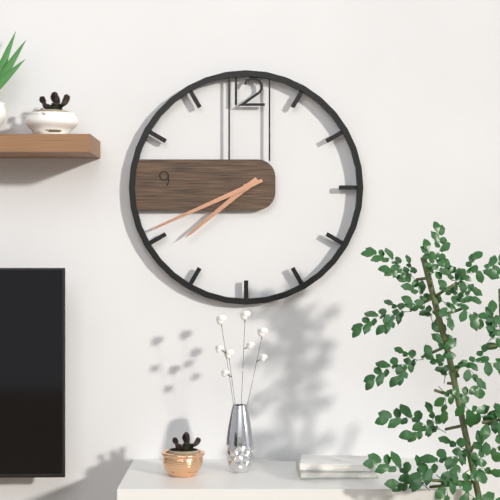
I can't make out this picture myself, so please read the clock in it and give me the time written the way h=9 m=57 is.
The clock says h=7 m=41
